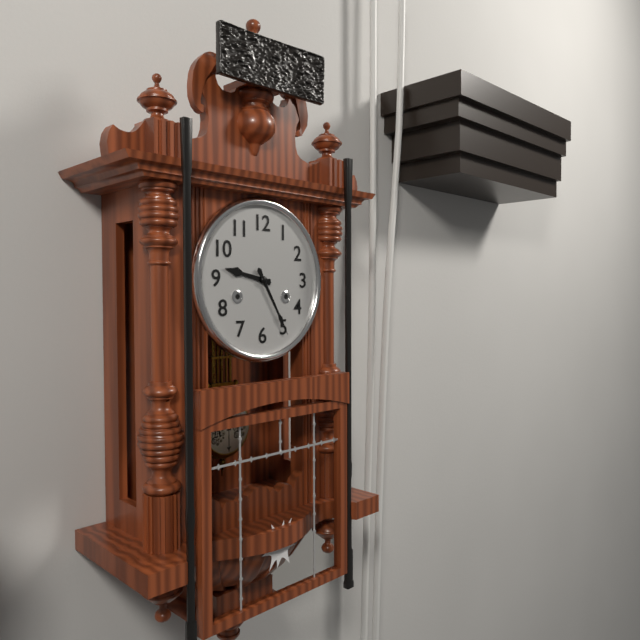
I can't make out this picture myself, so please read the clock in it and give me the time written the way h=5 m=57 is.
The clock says h=9 m=25
